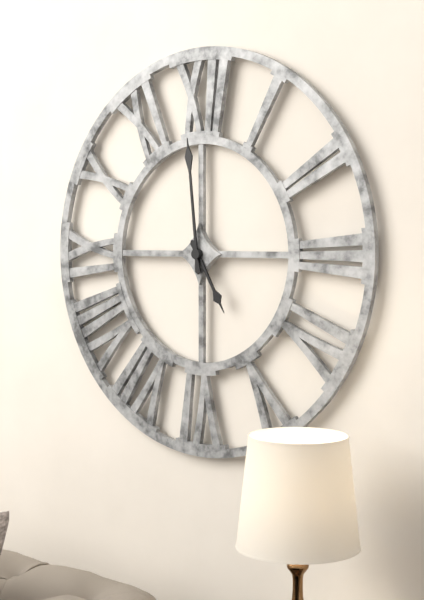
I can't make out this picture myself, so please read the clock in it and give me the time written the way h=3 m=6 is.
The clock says h=4 m=59
